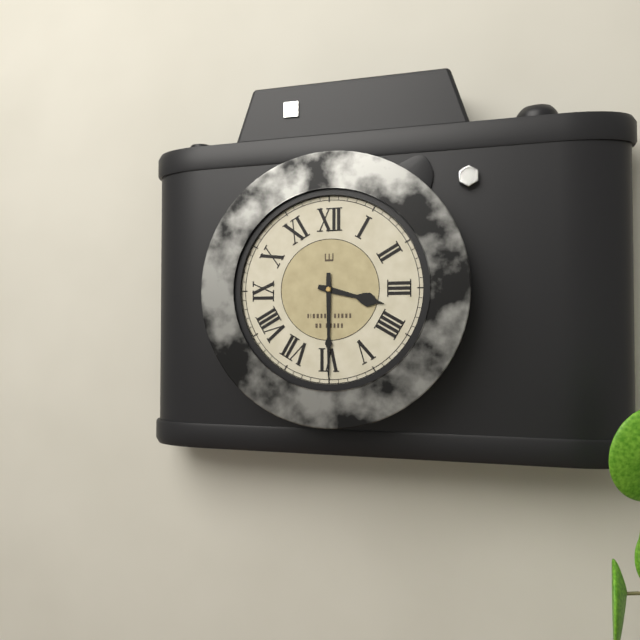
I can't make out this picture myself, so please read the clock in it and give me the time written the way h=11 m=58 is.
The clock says h=3 m=30
